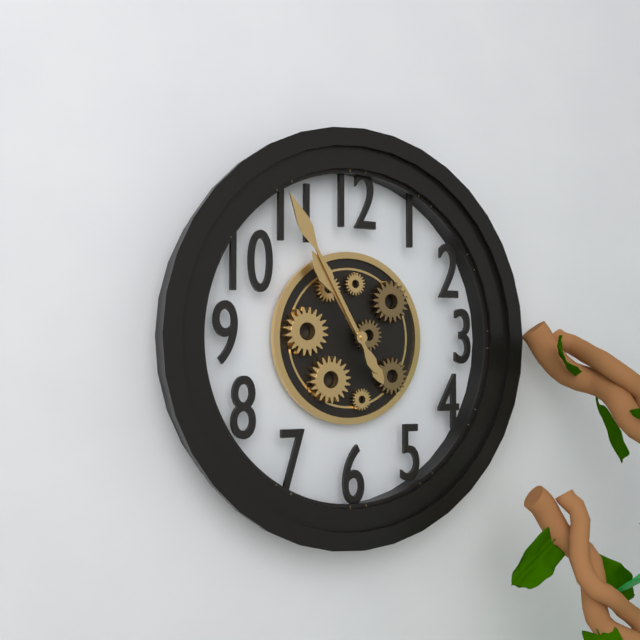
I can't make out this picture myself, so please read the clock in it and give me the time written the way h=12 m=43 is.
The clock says h=10 m=55
